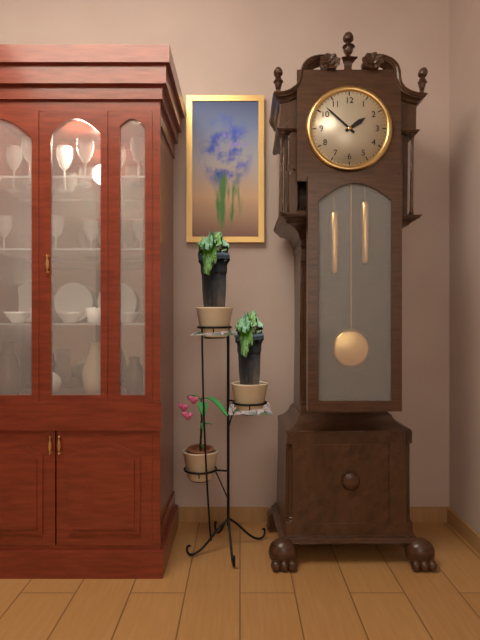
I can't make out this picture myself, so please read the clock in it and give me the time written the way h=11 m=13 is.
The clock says h=1 m=52
